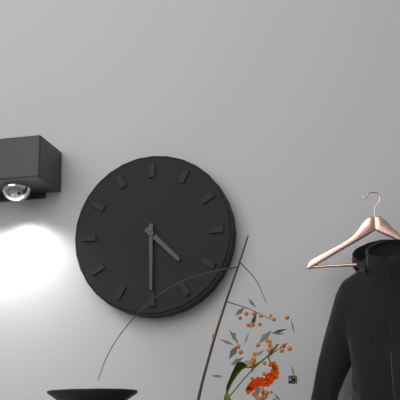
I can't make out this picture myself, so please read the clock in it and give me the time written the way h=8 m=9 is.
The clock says h=4 m=30
